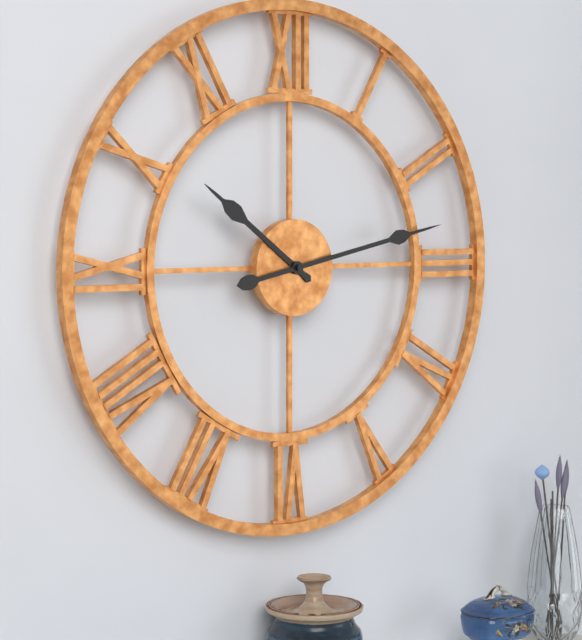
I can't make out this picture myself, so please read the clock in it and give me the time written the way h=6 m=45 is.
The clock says h=10 m=13
